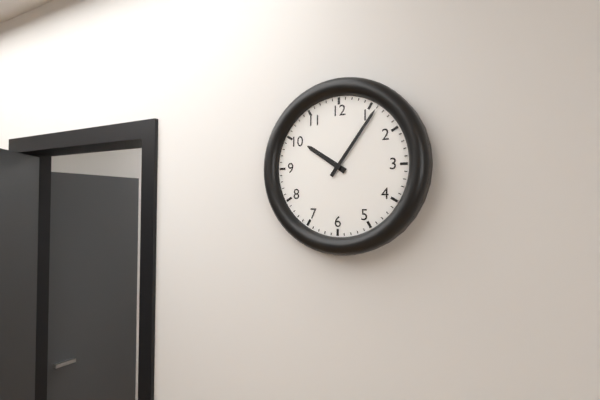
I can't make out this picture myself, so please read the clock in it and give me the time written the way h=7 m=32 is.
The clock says h=10 m=6
